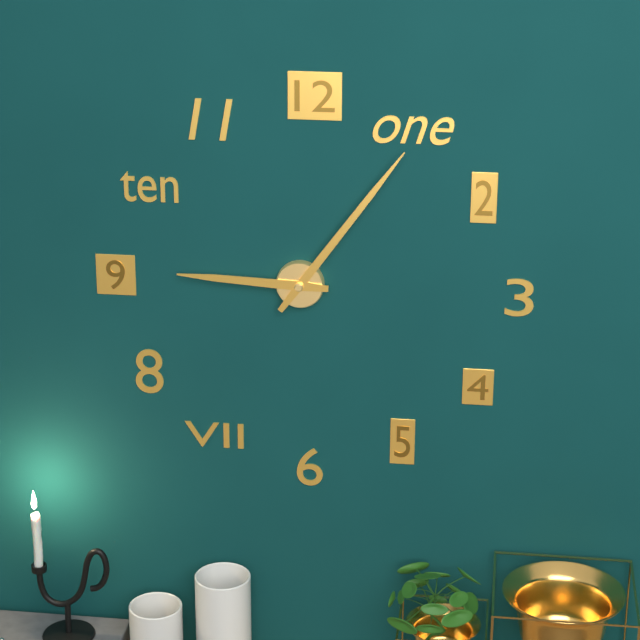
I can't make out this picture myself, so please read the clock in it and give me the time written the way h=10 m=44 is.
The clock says h=9 m=6
